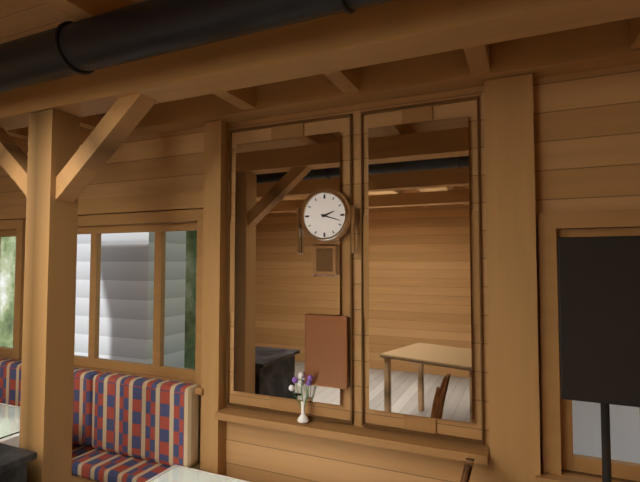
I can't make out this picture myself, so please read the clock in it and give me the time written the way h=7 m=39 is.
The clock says h=2 m=18
